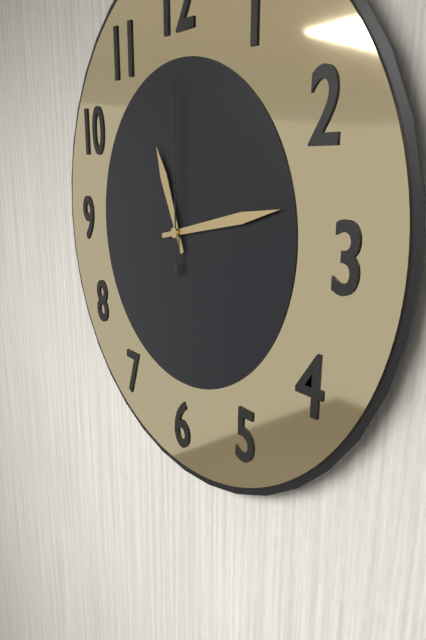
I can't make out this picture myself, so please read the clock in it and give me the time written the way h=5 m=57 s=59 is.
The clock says h=11 m=13 s=0
